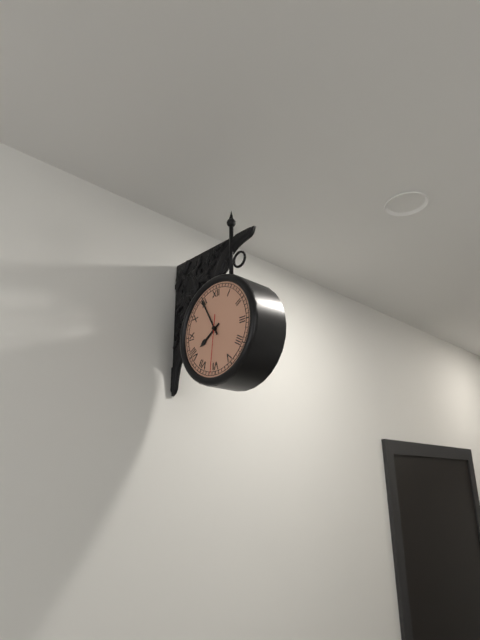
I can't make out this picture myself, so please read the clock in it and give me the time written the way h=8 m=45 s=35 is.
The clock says h=7 m=55 s=31
